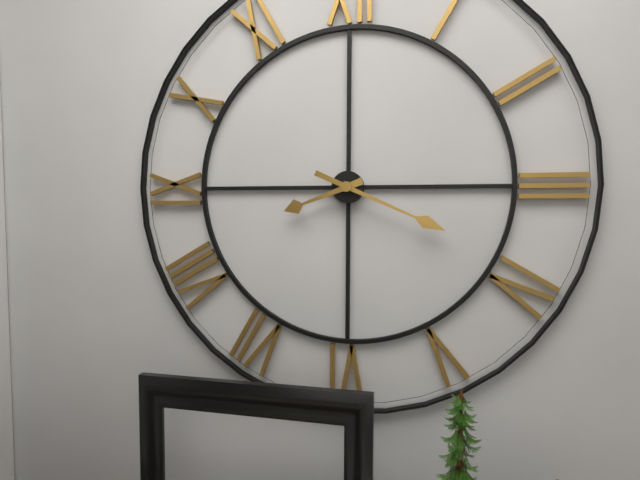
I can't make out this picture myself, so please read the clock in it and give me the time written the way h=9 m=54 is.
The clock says h=8 m=19
